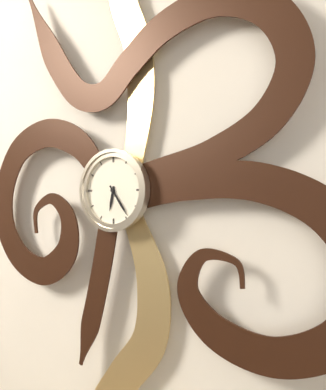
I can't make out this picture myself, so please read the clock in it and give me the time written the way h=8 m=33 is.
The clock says h=6 m=24
